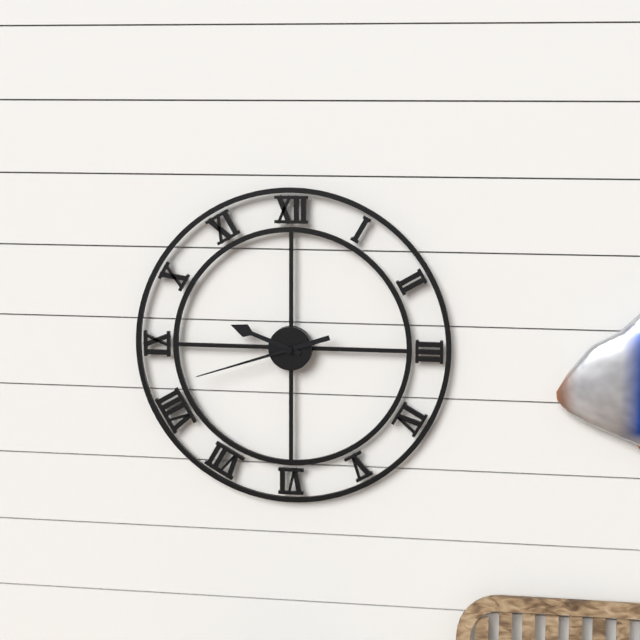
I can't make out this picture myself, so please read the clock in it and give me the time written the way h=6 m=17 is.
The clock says h=9 m=42
